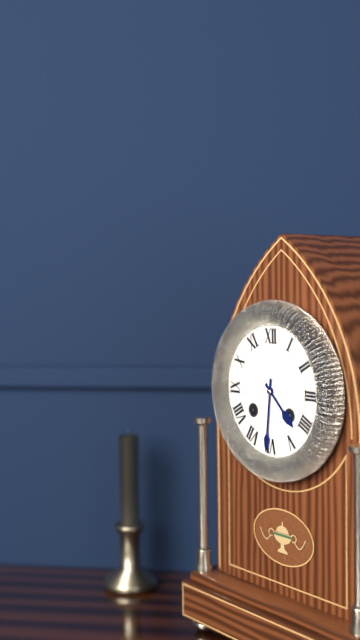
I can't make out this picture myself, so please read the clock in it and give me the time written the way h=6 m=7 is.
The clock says h=4 m=31
